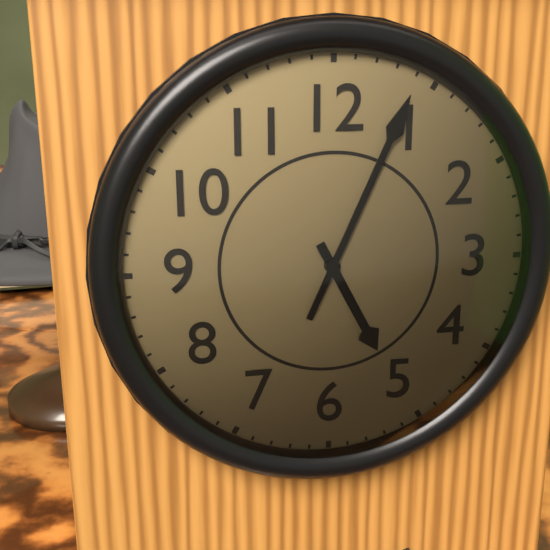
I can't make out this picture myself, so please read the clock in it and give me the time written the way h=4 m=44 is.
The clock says h=5 m=4
